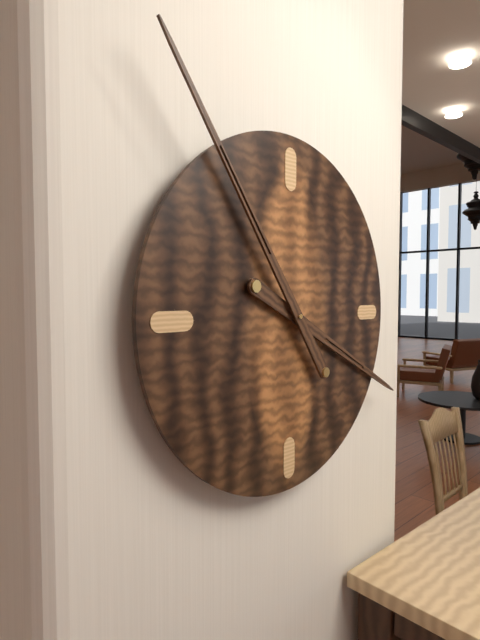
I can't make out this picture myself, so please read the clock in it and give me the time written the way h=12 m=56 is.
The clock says h=3 m=54
